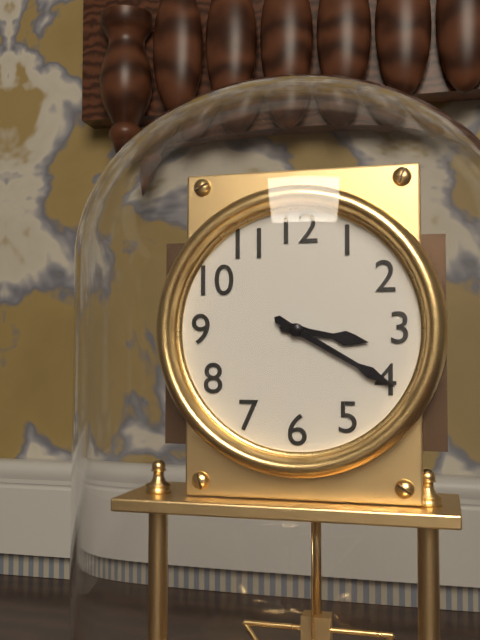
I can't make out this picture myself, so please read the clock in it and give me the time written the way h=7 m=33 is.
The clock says h=3 m=20
